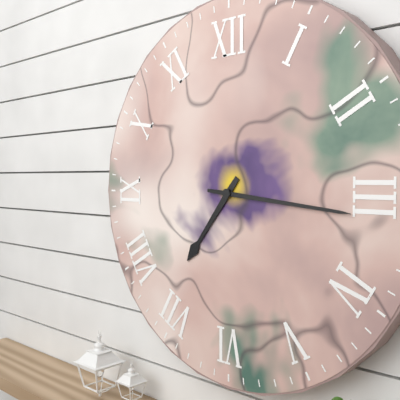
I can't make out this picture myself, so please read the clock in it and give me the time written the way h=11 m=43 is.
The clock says h=7 m=16
